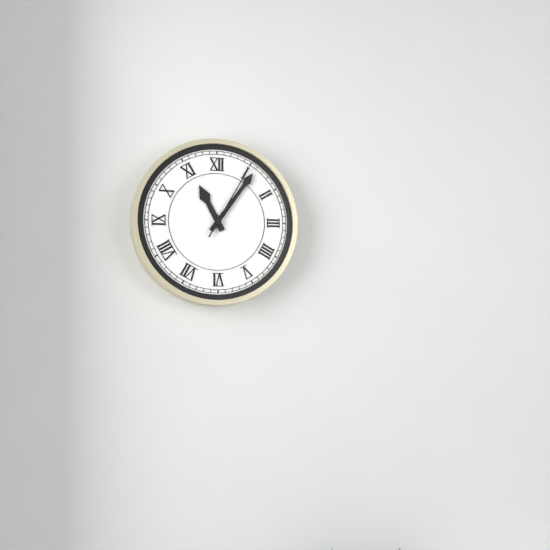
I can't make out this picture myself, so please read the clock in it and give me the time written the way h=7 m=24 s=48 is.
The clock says h=11 m=6 s=5
